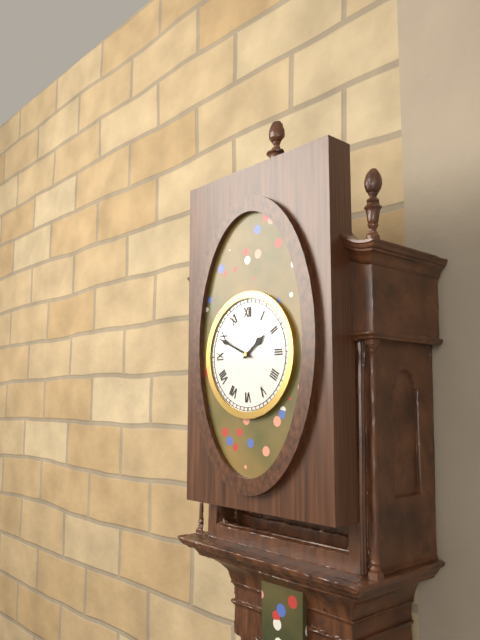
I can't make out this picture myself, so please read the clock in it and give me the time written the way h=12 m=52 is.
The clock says h=1 m=49
